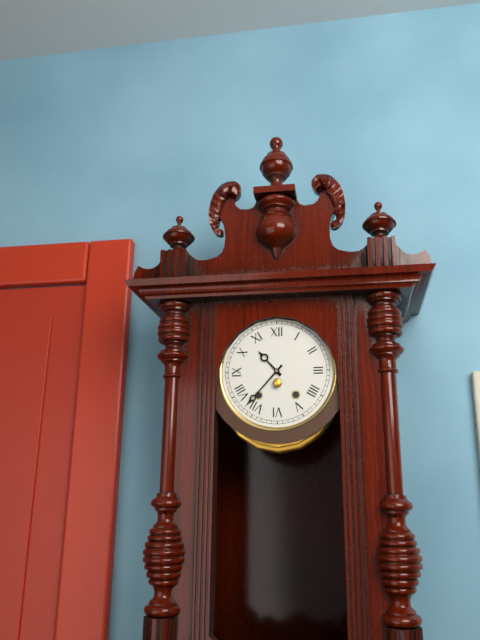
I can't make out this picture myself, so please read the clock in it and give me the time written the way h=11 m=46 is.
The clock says h=10 m=37
